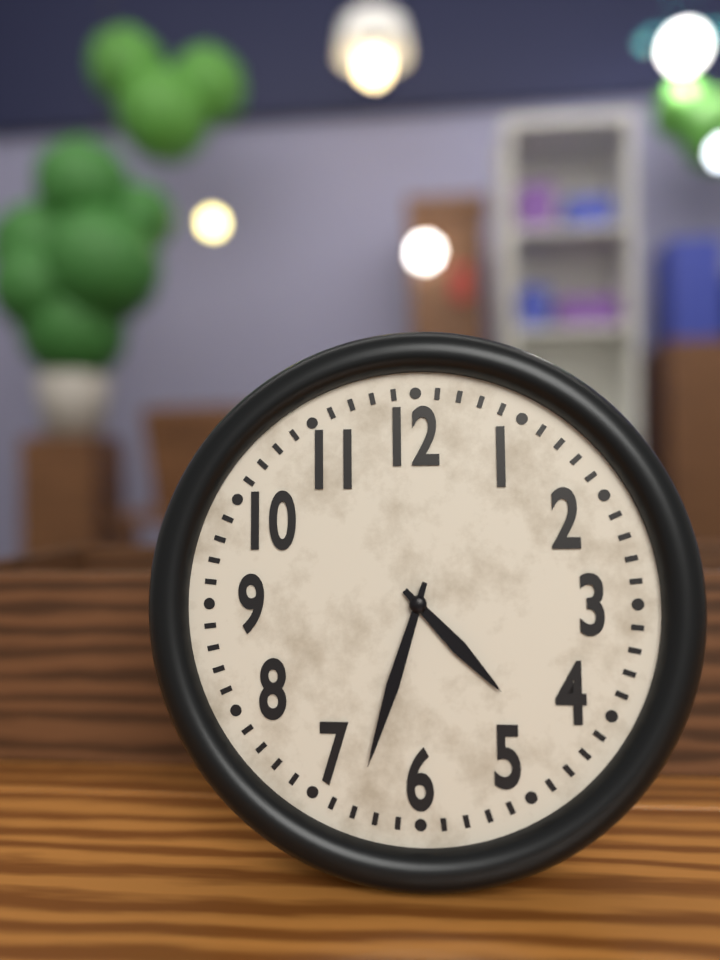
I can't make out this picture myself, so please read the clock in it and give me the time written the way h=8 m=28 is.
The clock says h=4 m=33
